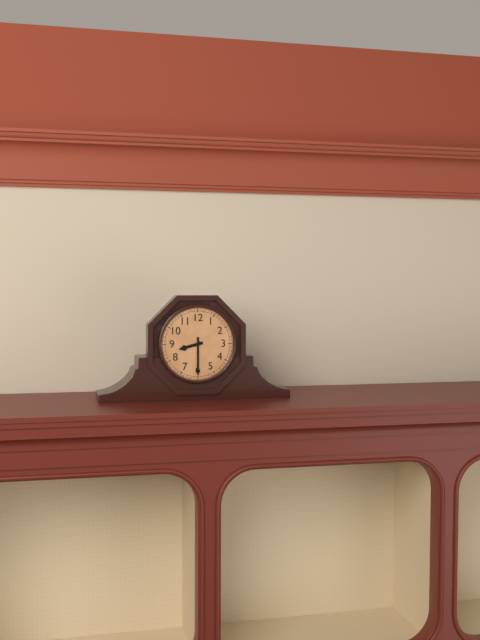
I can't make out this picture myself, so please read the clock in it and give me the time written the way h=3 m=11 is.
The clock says h=8 m=30
